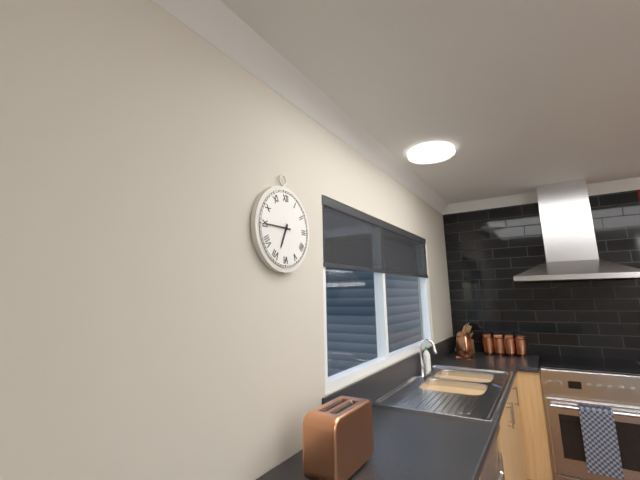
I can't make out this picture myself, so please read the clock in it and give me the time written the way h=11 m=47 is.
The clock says h=6 m=45
